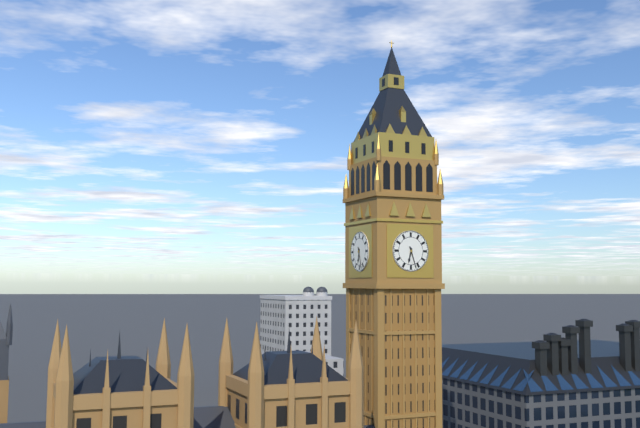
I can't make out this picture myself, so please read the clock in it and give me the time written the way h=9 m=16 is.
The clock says h=6 m=27
